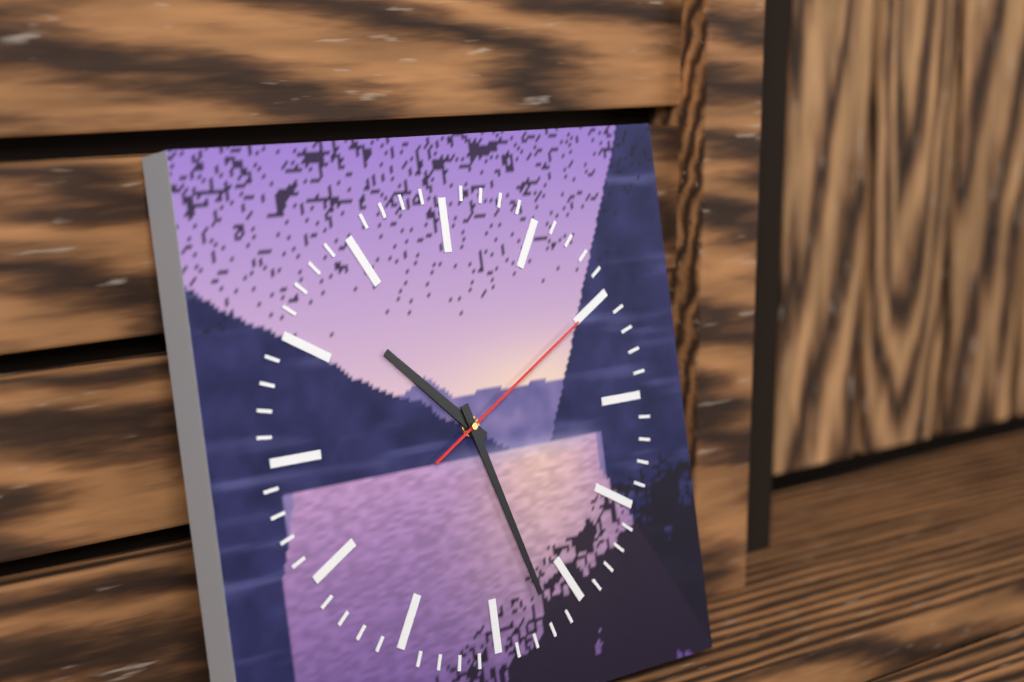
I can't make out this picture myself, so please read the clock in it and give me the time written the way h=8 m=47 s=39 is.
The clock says h=10 m=27 s=10
